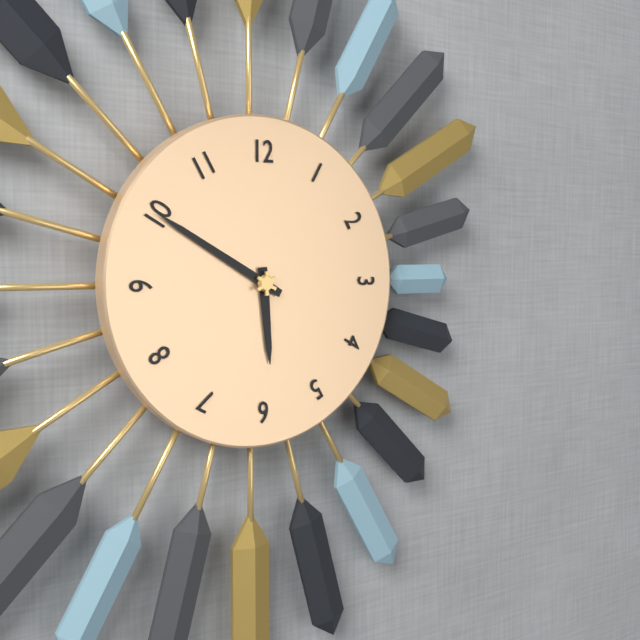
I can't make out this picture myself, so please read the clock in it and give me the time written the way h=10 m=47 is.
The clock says h=5 m=50
